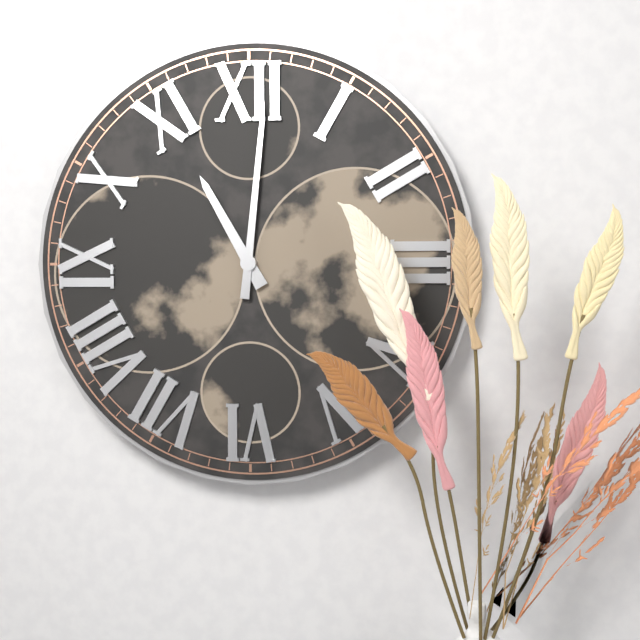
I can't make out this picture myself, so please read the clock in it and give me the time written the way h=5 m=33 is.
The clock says h=11 m=1
